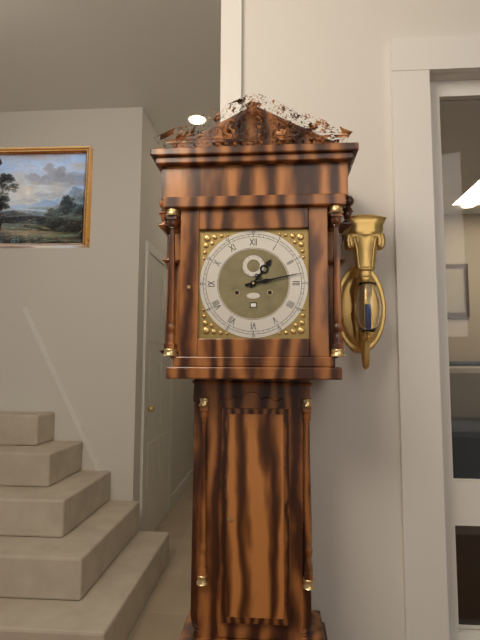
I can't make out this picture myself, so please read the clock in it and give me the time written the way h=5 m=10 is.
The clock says h=1 m=13
